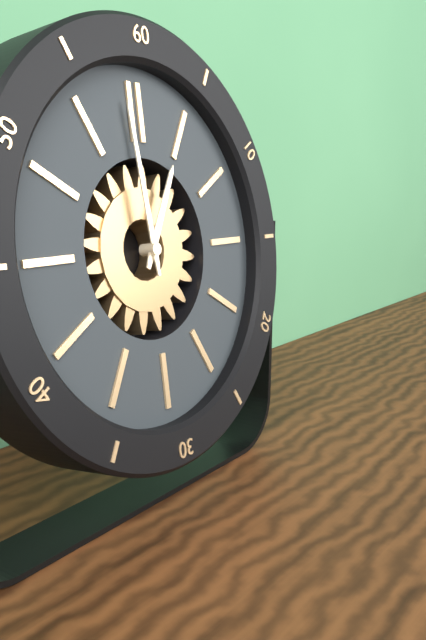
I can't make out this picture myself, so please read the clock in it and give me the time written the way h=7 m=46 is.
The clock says h=12 m=59
